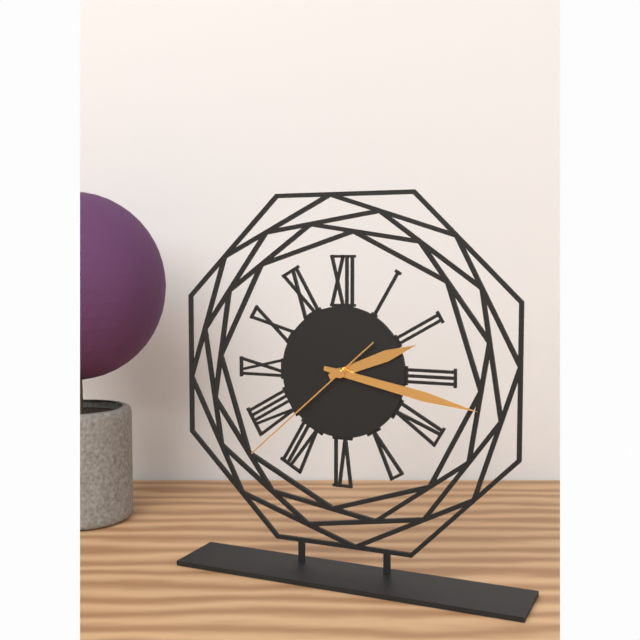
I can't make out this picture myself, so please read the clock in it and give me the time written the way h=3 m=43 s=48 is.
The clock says h=2 m=17 s=38
